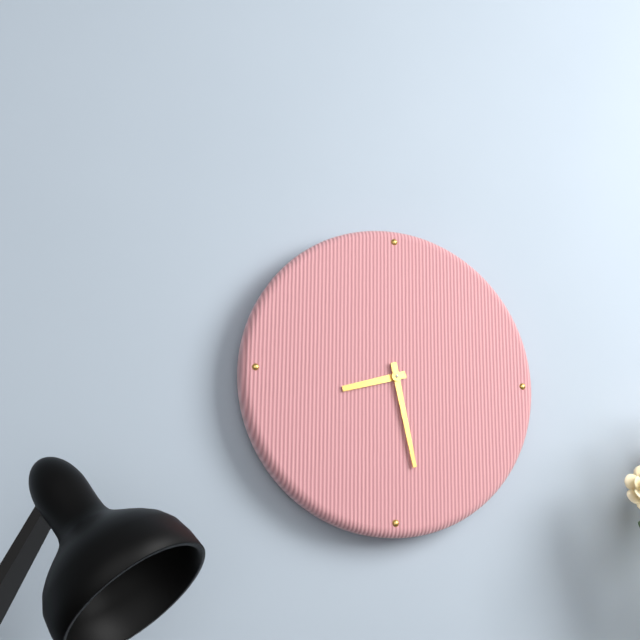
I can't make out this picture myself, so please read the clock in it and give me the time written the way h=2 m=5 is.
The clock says h=8 m=28
